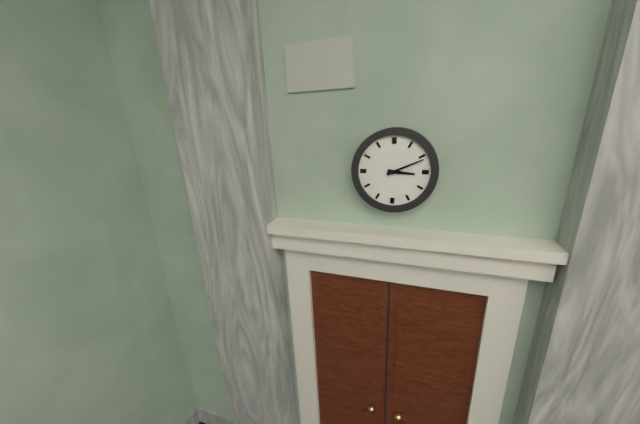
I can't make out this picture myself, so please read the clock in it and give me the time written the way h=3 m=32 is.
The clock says h=3 m=11
